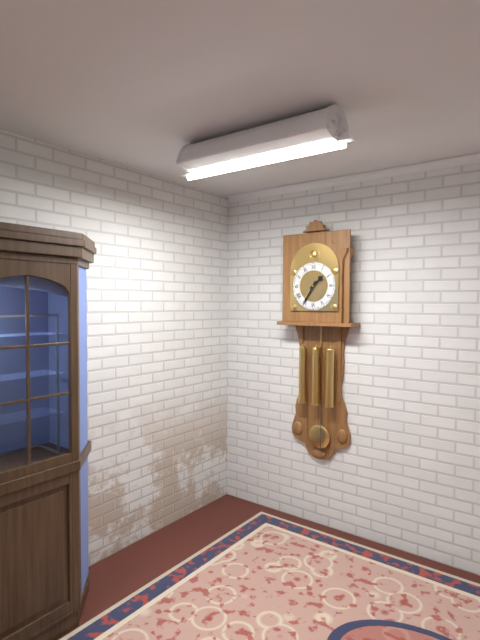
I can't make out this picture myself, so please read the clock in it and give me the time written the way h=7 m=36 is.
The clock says h=1 m=35
